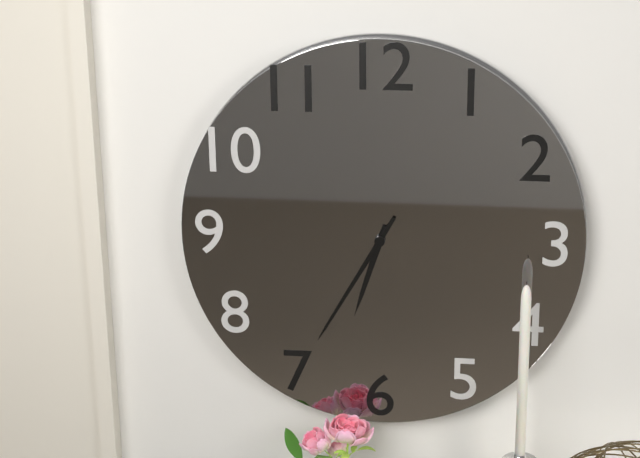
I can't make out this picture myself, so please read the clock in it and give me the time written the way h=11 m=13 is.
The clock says h=6 m=35
